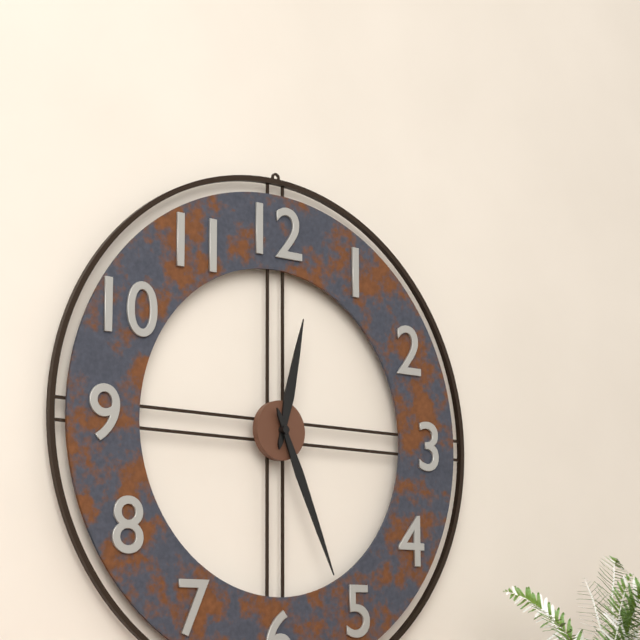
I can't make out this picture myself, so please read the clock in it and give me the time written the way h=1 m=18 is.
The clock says h=12 m=26
